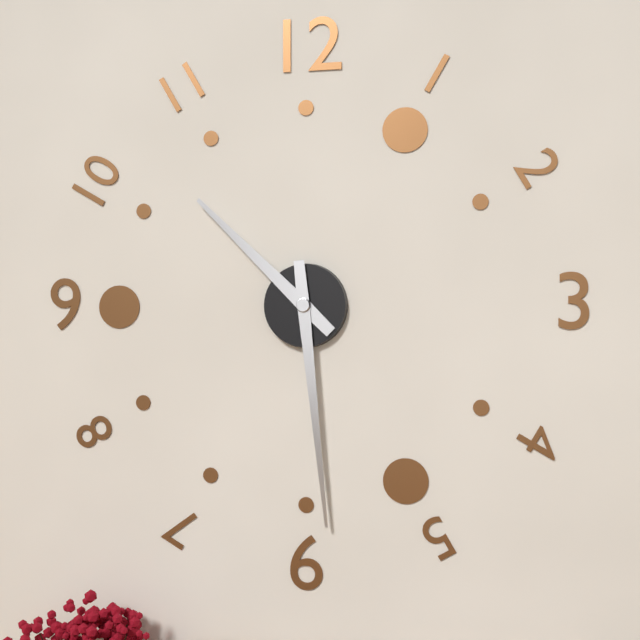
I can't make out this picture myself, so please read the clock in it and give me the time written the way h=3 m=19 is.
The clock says h=10 m=29
